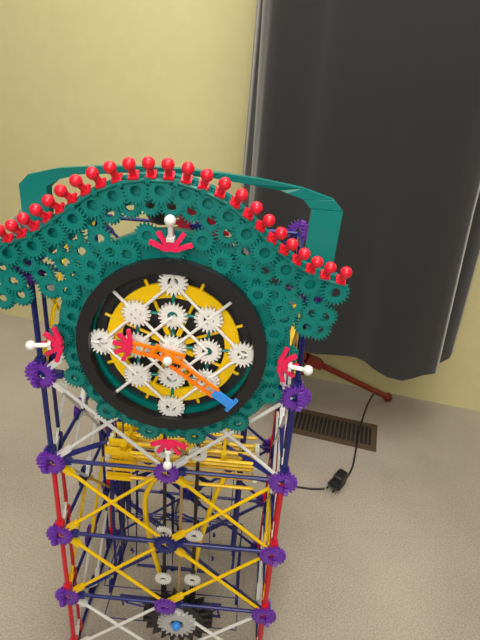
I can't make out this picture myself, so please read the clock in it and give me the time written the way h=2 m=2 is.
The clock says h=9 m=21
